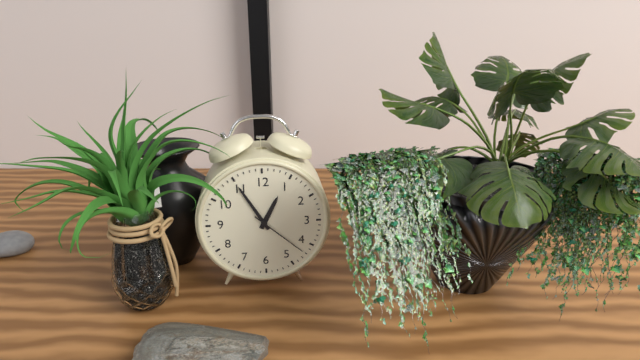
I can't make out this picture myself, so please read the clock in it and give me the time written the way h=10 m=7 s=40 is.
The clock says h=12 m=55 s=22
